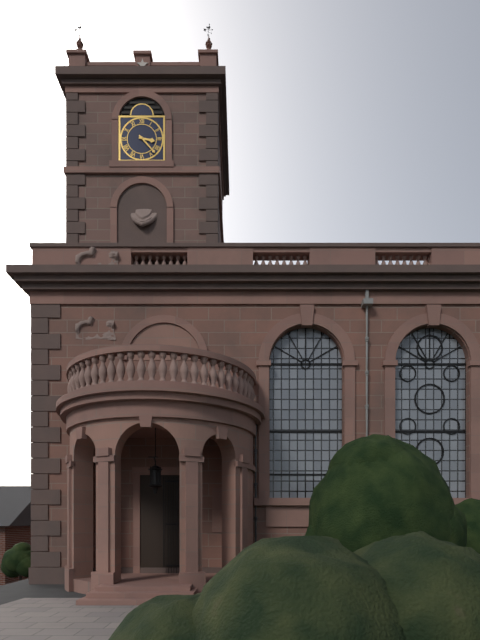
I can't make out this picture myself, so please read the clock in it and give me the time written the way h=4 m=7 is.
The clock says h=3 m=23
